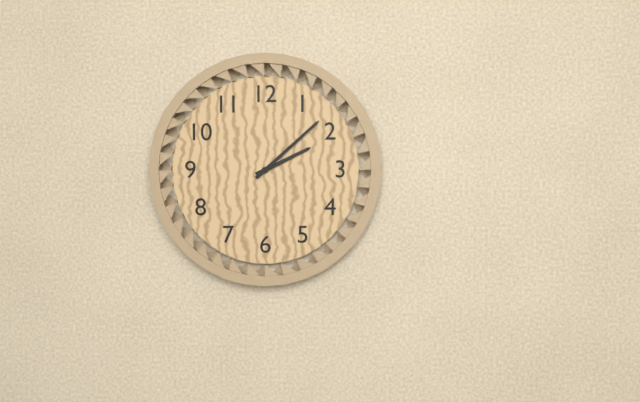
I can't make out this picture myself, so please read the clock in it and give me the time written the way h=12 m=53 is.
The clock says h=2 m=8
